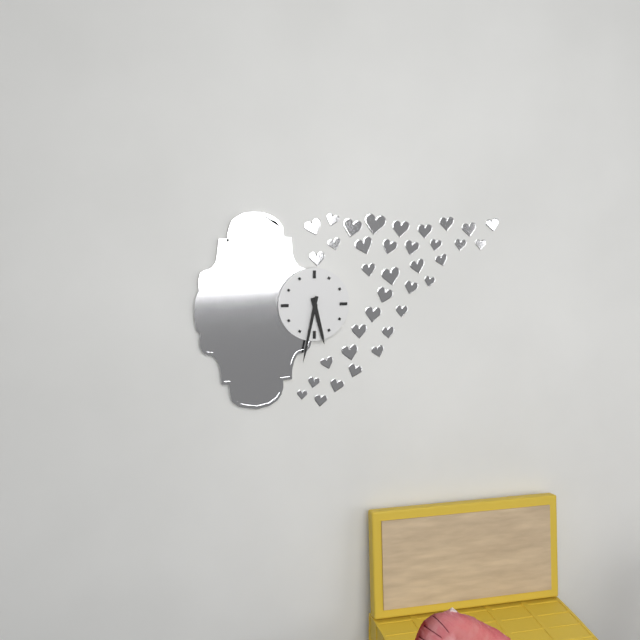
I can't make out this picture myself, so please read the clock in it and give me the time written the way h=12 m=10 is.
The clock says h=5 m=32
